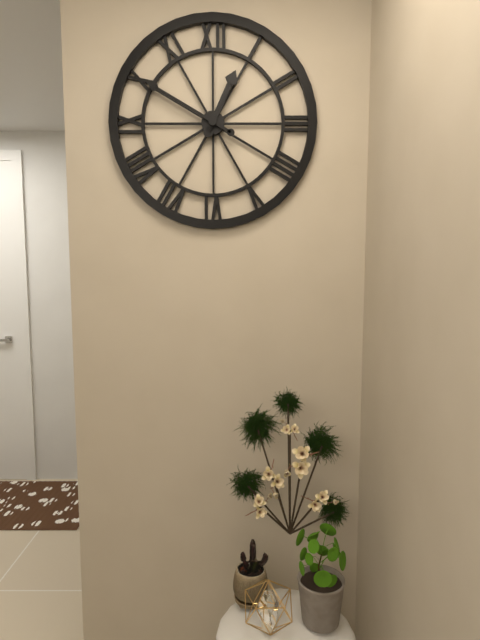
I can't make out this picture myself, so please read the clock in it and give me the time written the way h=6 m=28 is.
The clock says h=12 m=50
